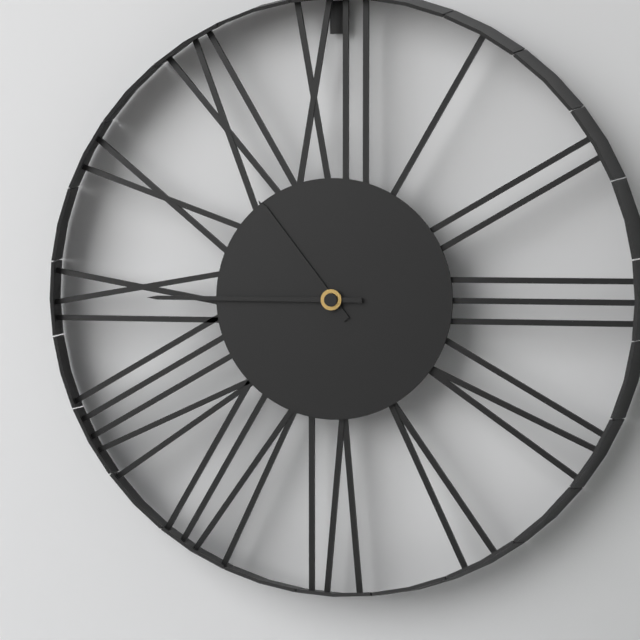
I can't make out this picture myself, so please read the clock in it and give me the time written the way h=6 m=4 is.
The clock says h=10 m=45
